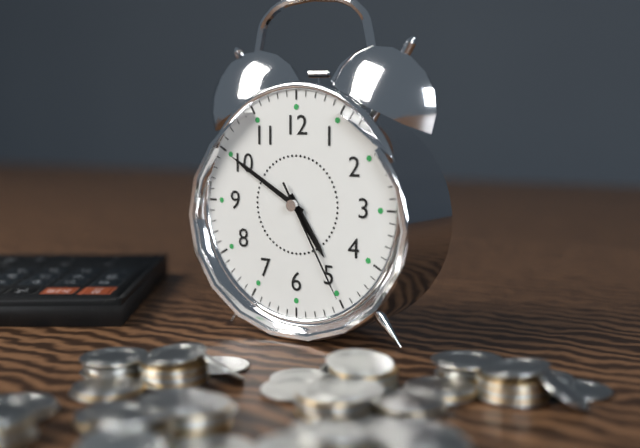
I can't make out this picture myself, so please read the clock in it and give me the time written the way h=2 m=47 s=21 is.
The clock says h=4 m=50 s=25
